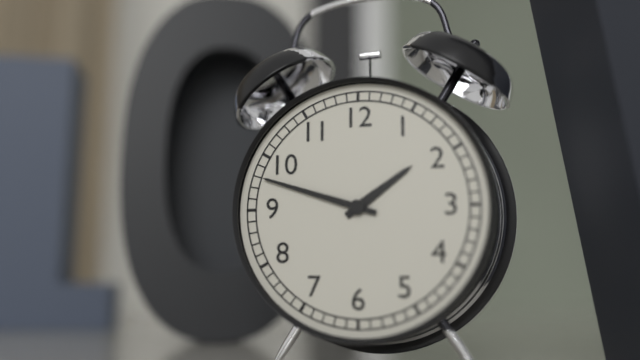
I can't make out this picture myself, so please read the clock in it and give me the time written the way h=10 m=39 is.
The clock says h=1 m=48
